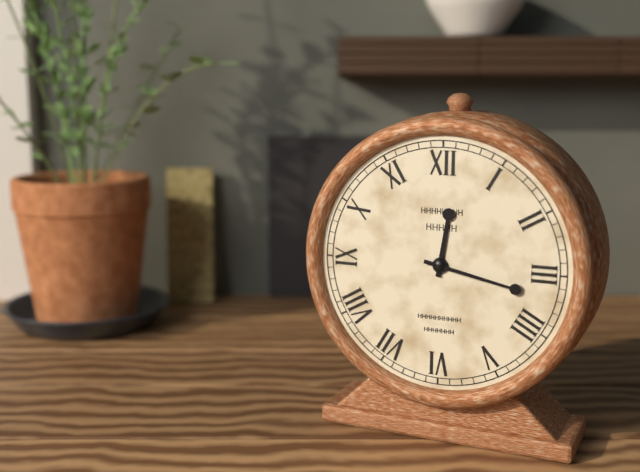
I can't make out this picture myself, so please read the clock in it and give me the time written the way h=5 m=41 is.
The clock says h=12 m=17
